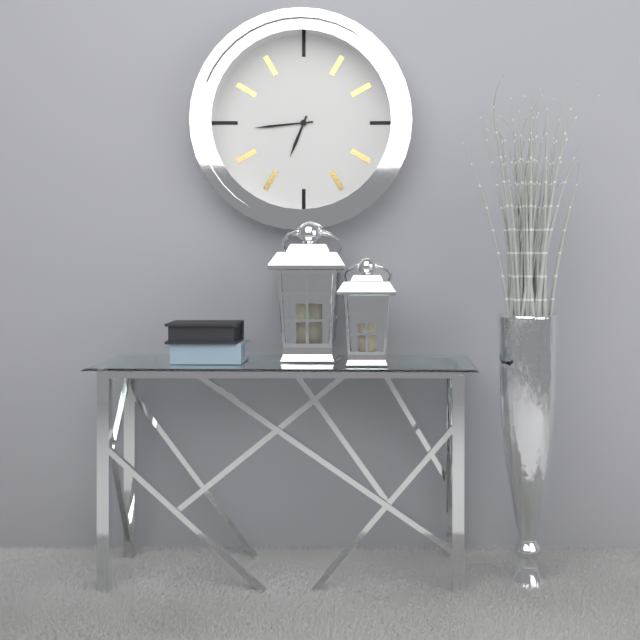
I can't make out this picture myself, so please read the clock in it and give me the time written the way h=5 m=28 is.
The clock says h=6 m=44
